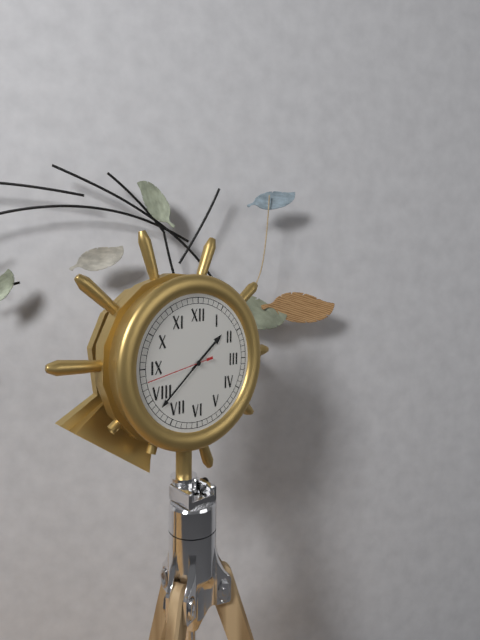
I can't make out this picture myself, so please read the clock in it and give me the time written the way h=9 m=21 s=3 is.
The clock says h=1 m=38 s=43
